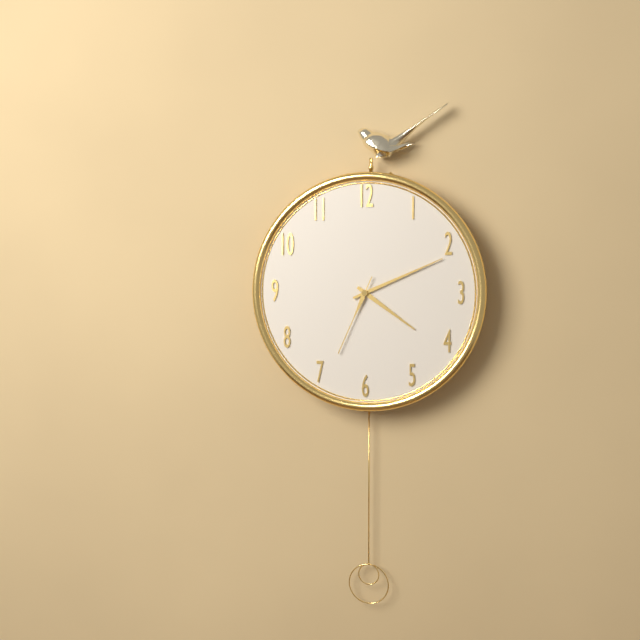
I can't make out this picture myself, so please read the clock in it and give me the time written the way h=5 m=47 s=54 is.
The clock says h=4 m=11 s=34
